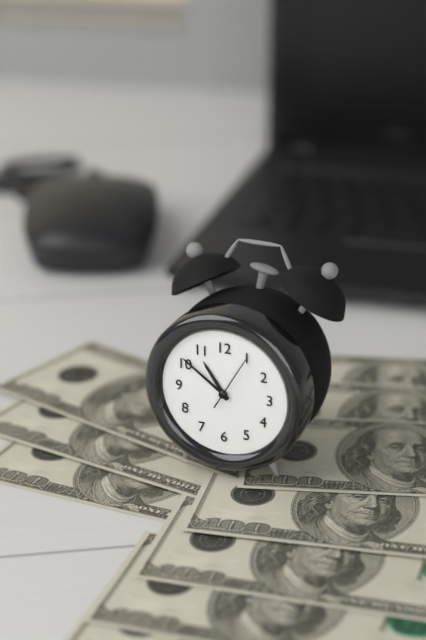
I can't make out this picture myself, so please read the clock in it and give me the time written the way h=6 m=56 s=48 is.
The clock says h=10 m=51 s=5
